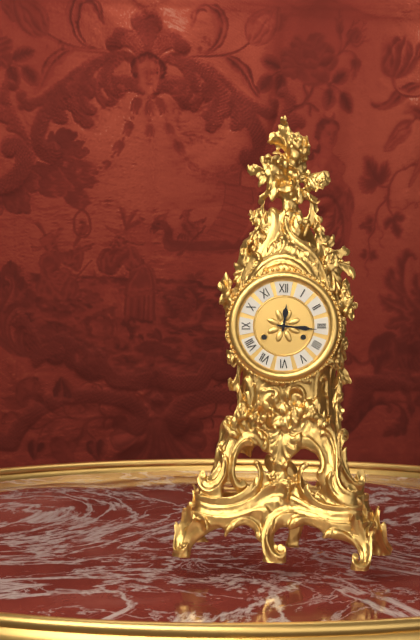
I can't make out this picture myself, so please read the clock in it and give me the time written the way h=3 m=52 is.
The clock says h=12 m=16
